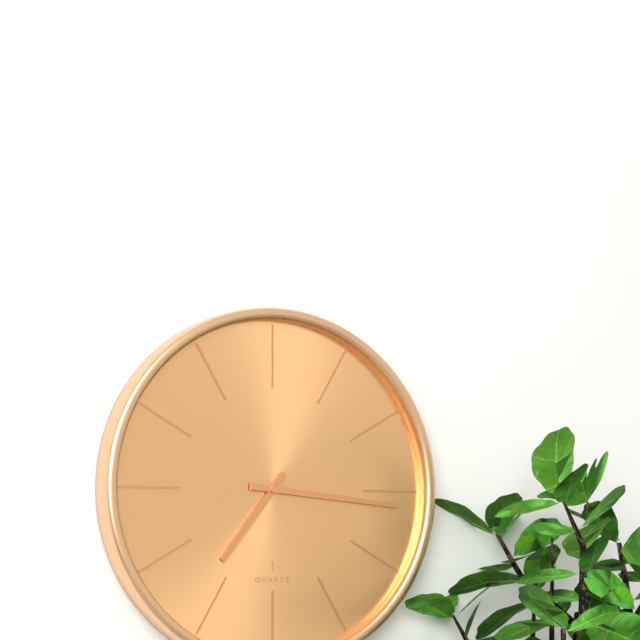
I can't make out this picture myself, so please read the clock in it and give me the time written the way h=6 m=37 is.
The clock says h=7 m=16
